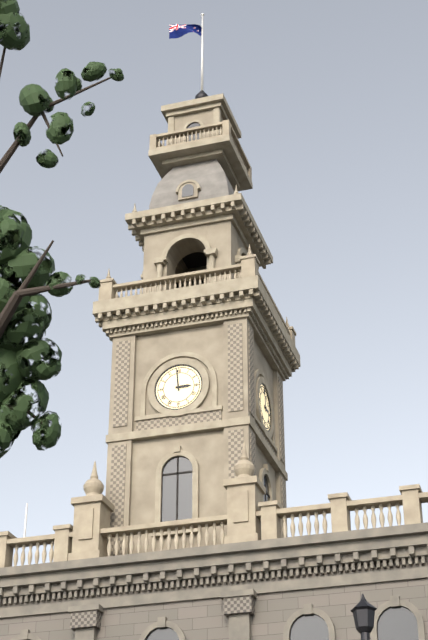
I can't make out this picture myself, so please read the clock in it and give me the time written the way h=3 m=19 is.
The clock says h=2 m=59
